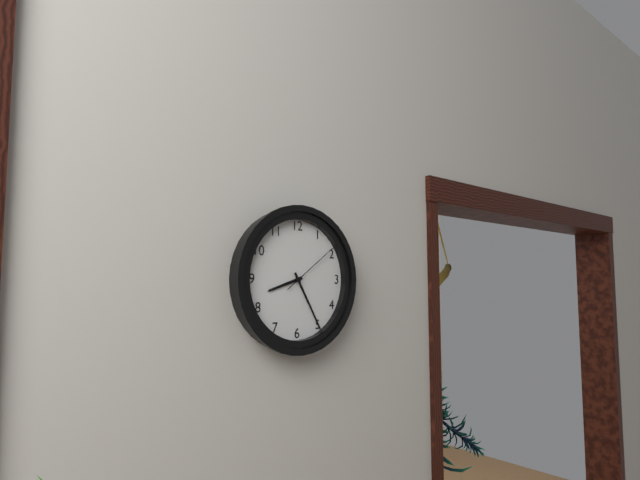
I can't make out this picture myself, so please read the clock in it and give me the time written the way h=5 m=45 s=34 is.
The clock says h=8 m=25 s=9
